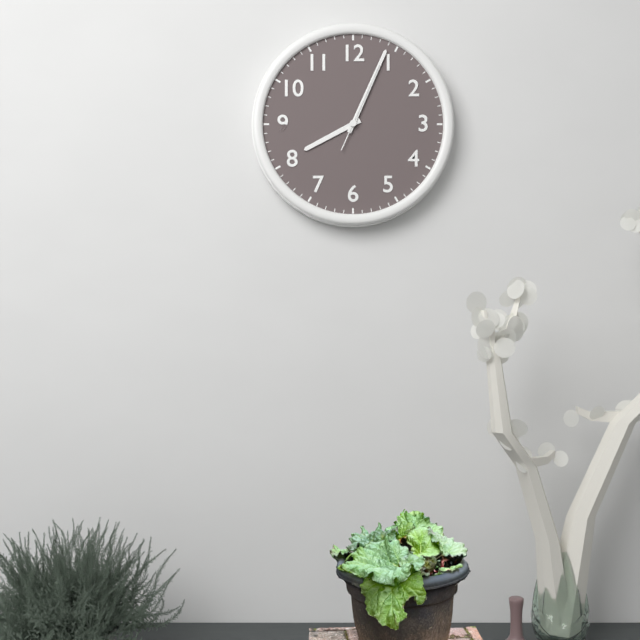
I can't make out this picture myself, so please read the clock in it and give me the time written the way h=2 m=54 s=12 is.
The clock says h=8 m=4 s=4
